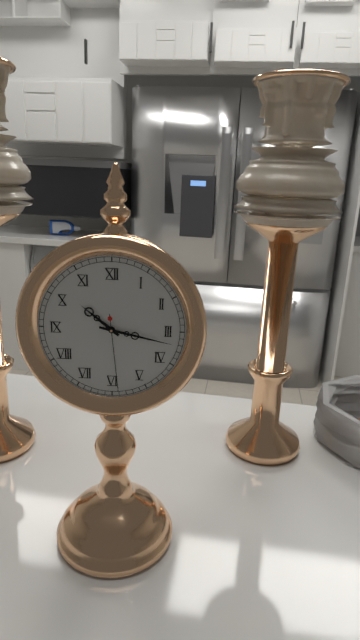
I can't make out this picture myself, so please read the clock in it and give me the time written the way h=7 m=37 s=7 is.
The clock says h=10 m=17 s=29
